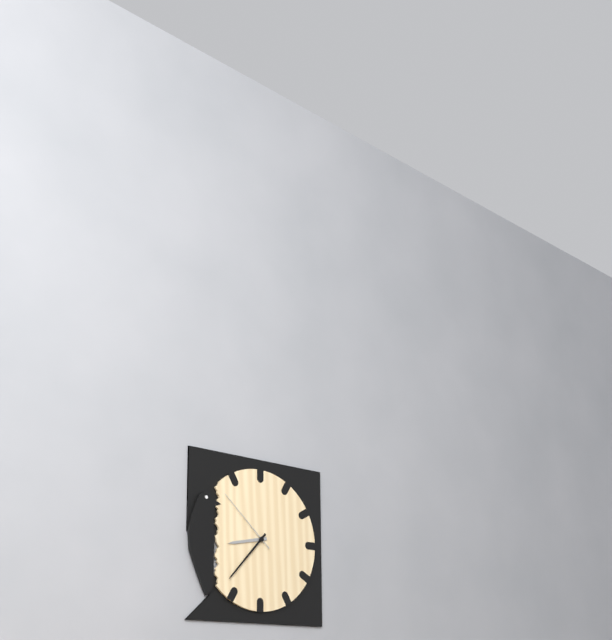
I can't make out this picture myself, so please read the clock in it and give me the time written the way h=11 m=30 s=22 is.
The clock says h=8 m=37 s=52
